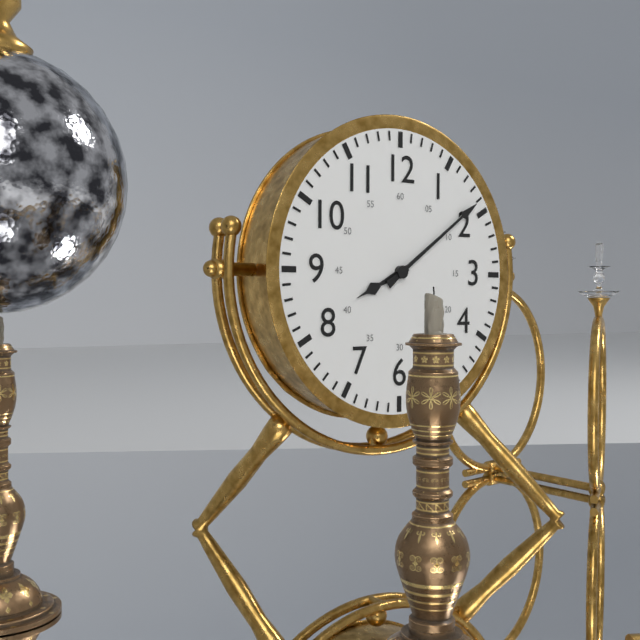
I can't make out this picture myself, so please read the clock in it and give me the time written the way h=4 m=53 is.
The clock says h=8 m=9
